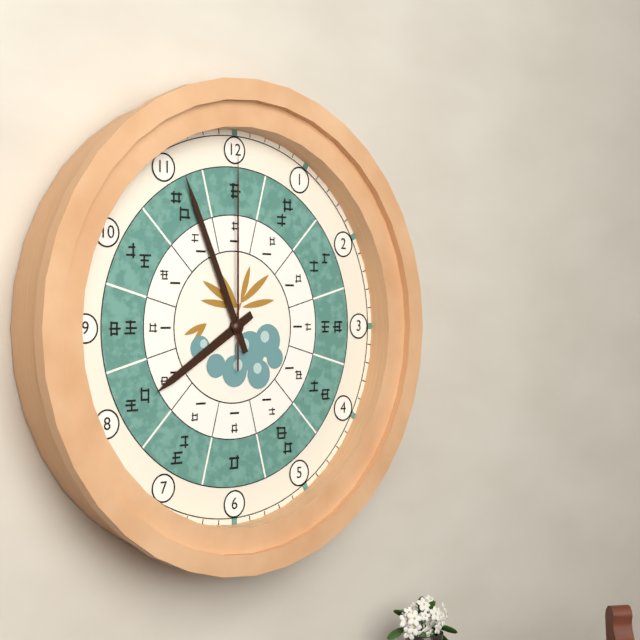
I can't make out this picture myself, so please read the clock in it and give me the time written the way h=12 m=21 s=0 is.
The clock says h=7 m=56 s=0
